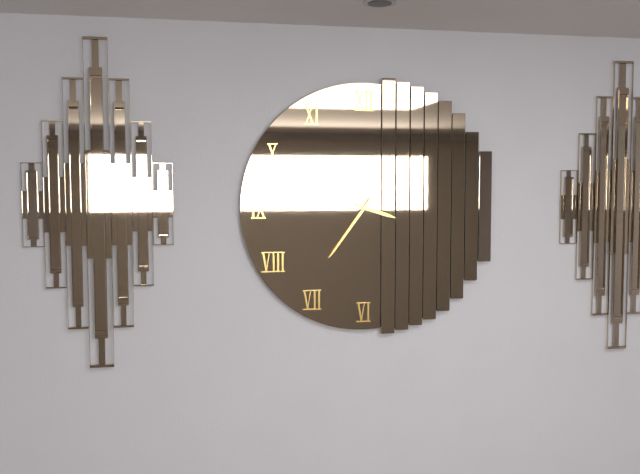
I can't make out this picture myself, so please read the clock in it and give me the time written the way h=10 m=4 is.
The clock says h=3 m=36
